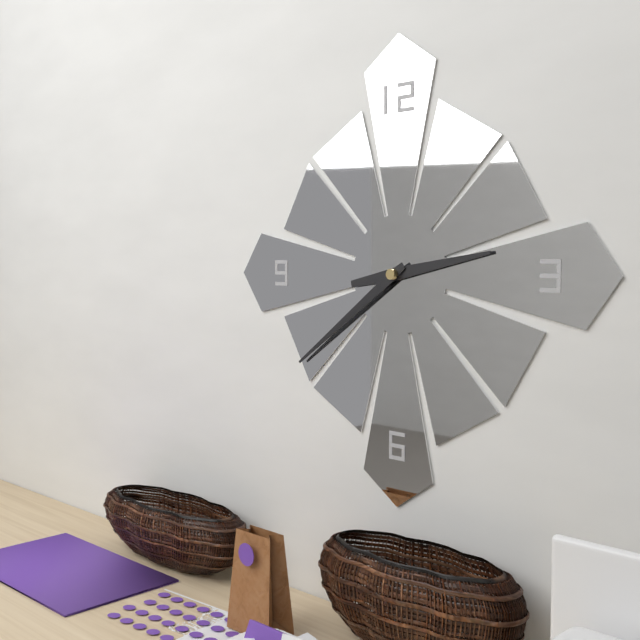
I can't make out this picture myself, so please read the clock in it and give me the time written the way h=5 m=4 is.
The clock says h=2 m=39
